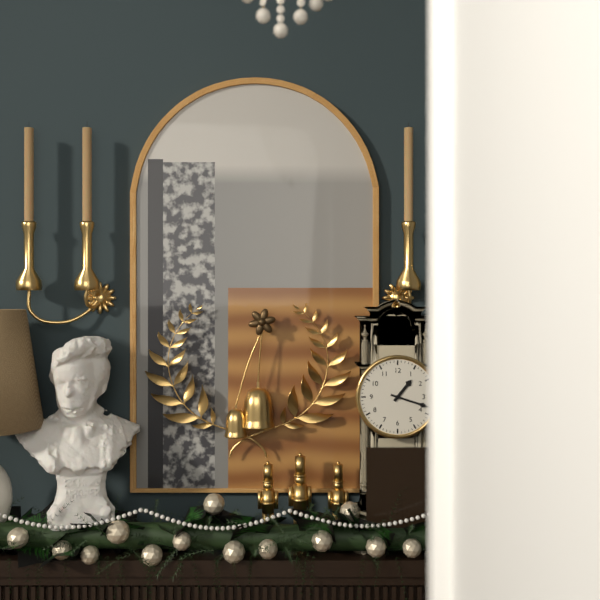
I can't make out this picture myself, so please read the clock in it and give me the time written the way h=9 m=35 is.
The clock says h=1 m=18
